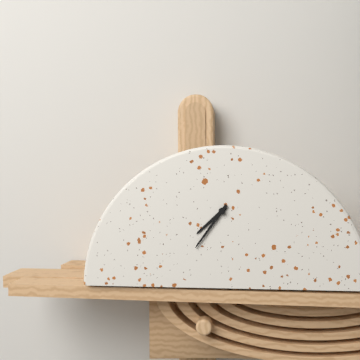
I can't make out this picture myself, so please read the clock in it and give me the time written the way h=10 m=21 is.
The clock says h=7 m=36
